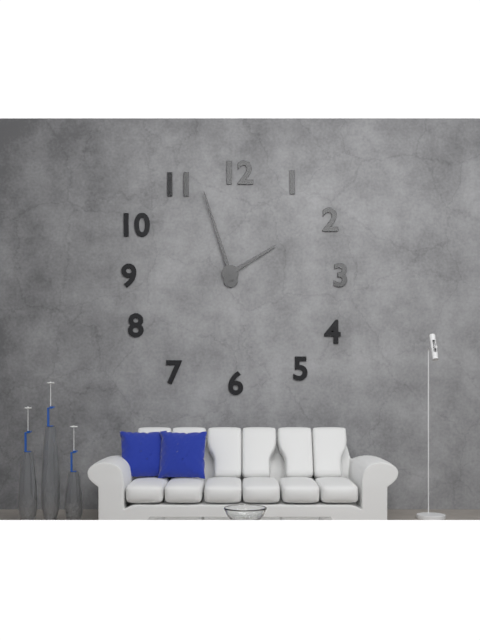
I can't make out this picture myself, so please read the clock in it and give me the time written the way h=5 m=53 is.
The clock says h=1 m=57
